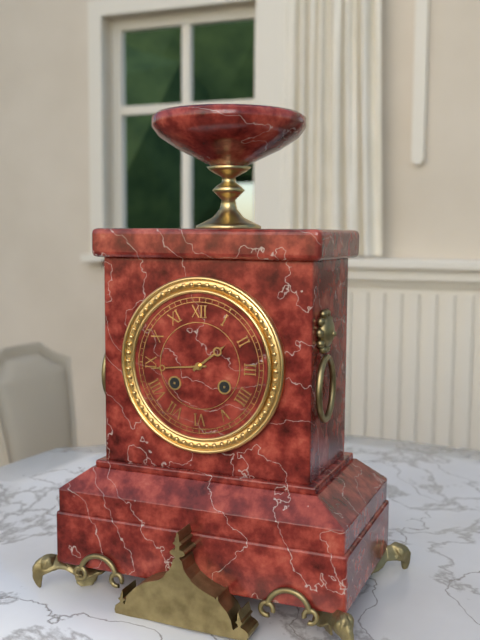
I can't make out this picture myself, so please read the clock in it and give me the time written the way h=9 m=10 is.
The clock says h=1 m=44
